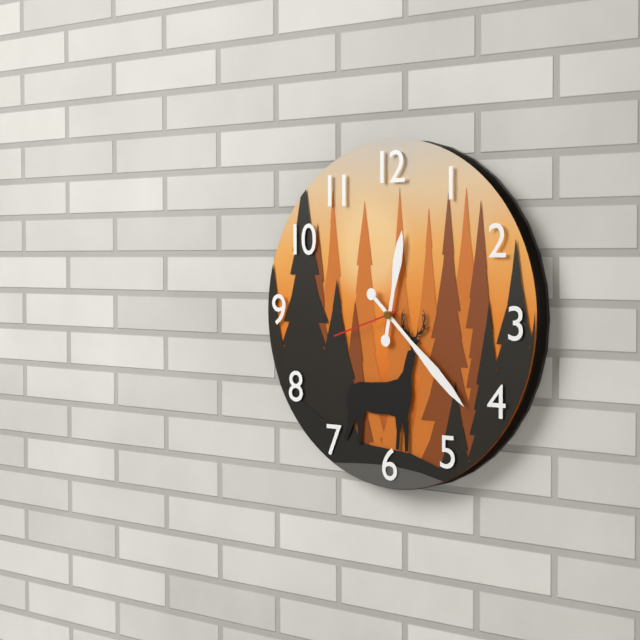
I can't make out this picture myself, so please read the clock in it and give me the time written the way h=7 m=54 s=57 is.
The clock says h=12 m=22 s=42
